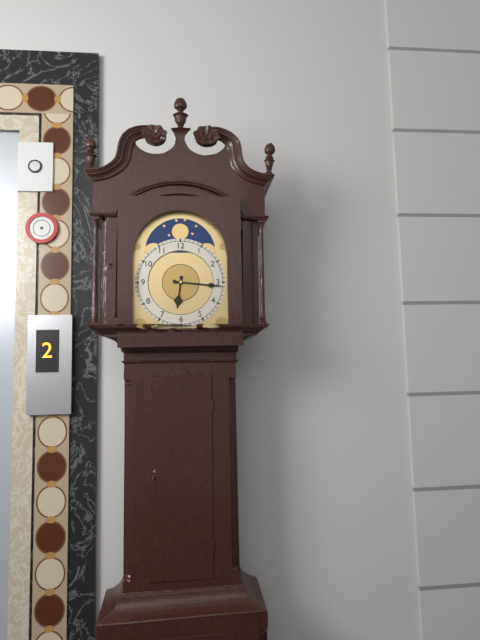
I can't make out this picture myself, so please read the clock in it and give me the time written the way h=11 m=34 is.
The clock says h=6 m=16
